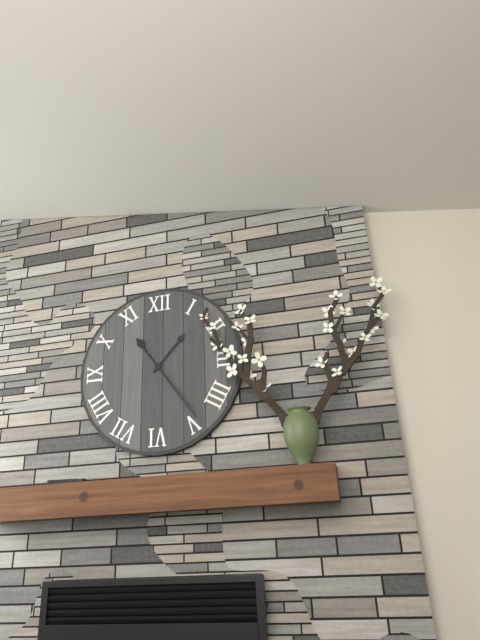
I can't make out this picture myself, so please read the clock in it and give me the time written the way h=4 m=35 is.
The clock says h=1 m=24
